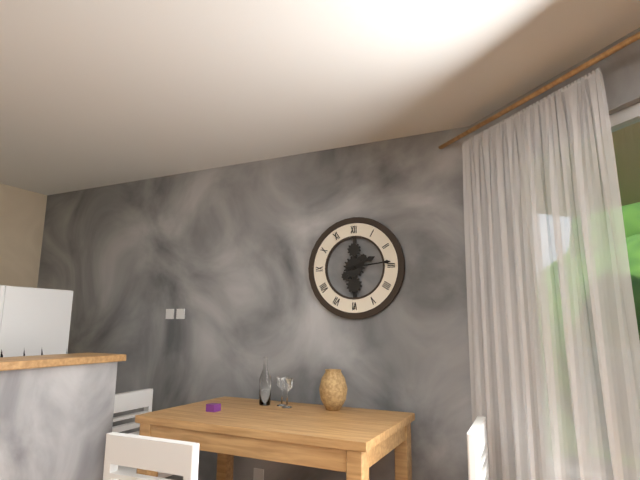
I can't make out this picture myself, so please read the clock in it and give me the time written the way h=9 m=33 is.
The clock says h=2 m=14
